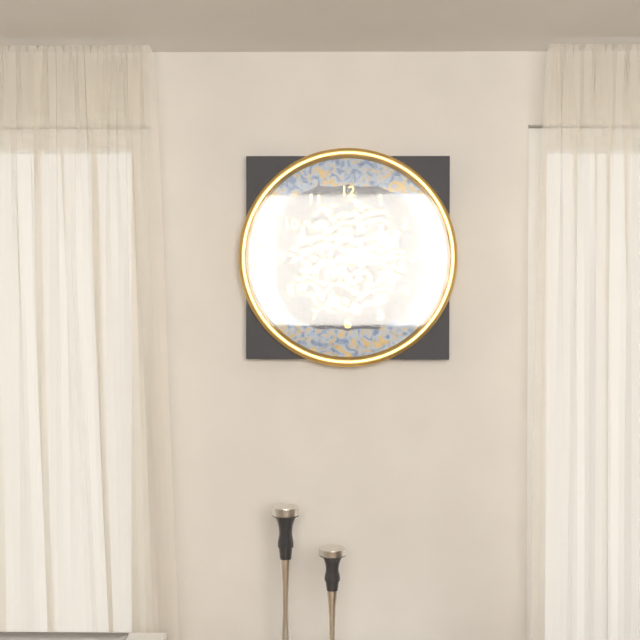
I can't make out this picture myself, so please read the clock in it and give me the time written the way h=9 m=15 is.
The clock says h=2 m=15
